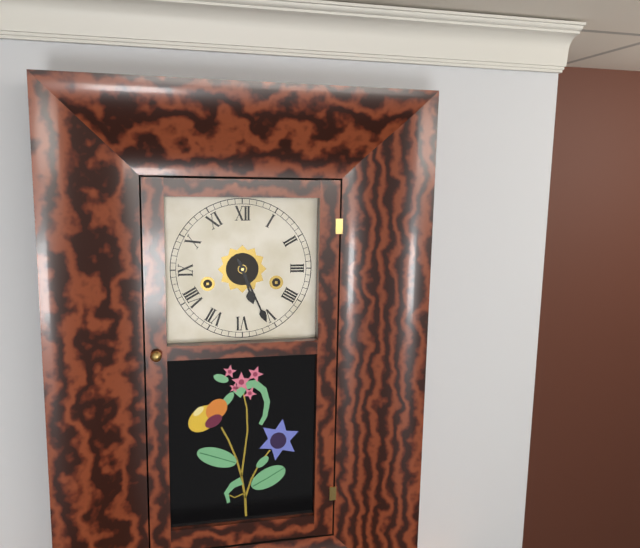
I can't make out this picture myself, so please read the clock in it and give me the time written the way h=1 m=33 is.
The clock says h=5 m=26
